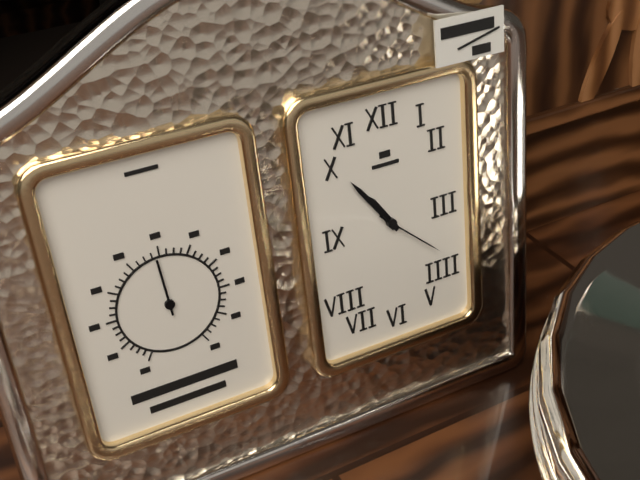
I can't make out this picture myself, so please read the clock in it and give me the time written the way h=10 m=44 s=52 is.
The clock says h=10 m=54 s=22
